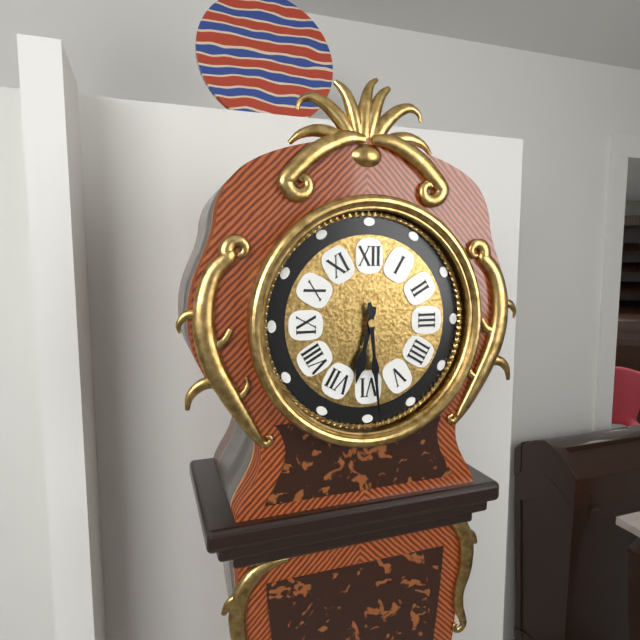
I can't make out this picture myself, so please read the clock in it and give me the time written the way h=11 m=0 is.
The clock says h=6 m=29
